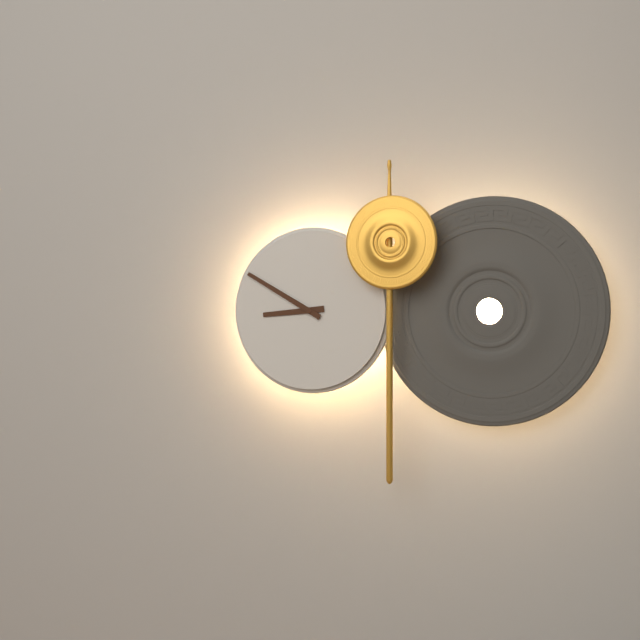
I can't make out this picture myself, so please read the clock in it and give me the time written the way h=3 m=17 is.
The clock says h=8 m=50
